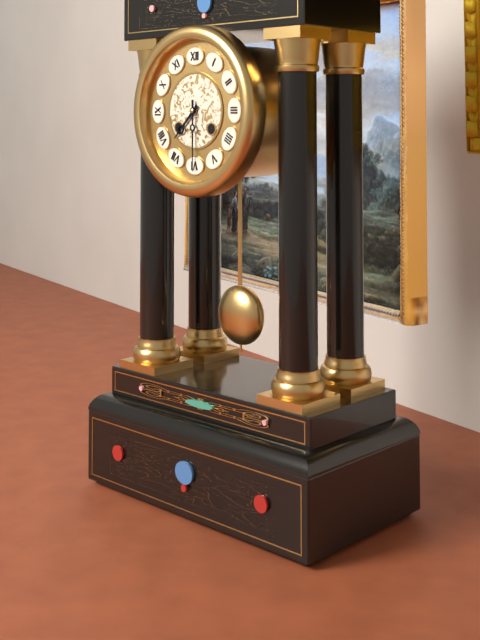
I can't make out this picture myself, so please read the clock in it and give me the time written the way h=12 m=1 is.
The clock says h=7 m=30
